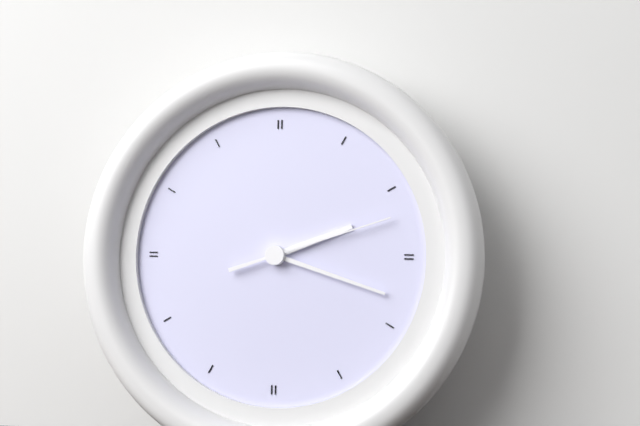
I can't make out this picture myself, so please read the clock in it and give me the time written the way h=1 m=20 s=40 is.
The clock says h=2 m=18 s=12
